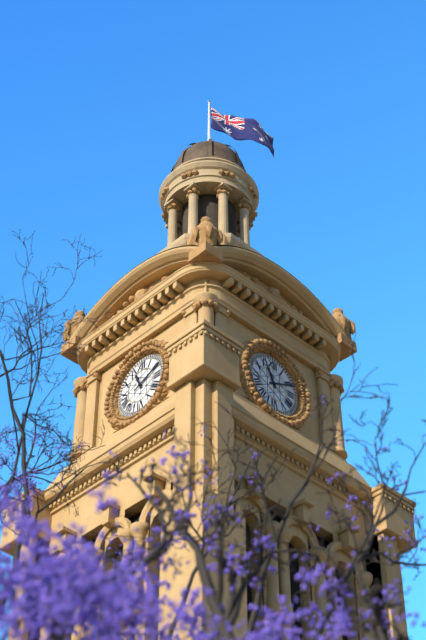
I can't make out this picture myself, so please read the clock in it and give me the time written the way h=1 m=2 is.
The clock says h=11 m=11
